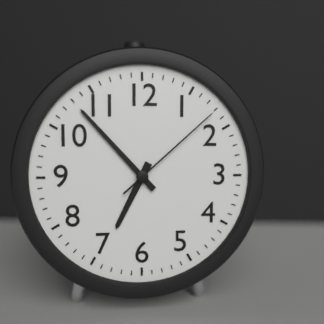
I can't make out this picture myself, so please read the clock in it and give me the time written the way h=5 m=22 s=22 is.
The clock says h=6 m=53 s=8
